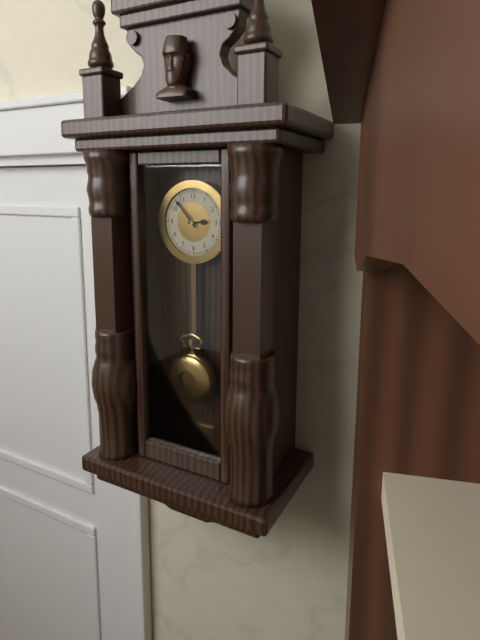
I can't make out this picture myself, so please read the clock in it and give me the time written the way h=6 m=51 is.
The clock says h=2 m=53
